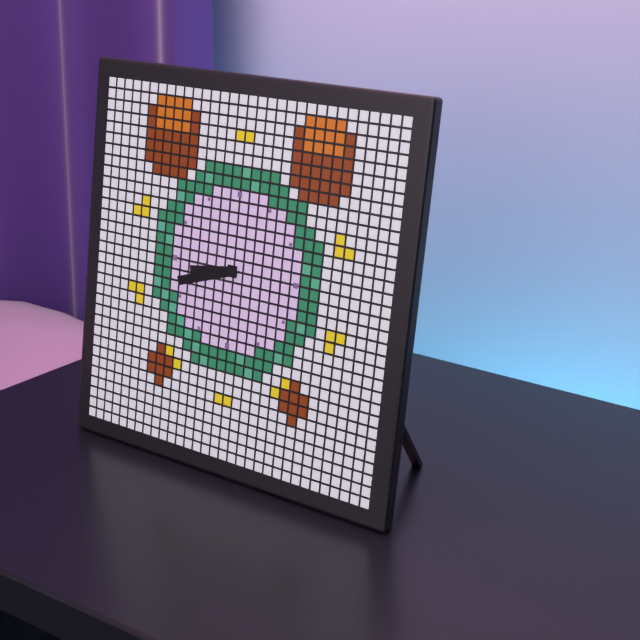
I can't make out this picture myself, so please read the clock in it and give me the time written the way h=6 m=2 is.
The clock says h=8 m=42
